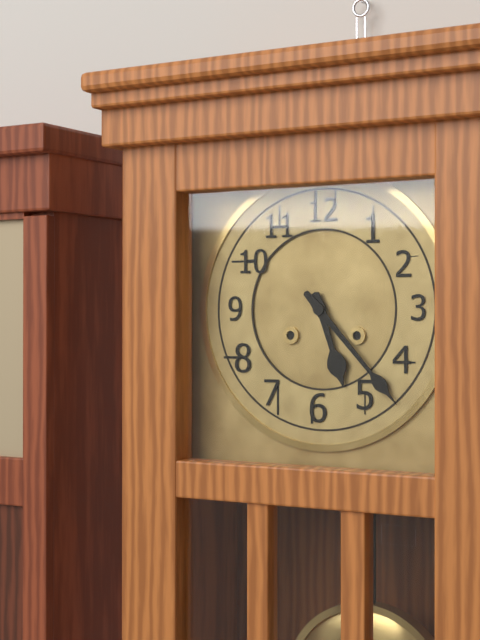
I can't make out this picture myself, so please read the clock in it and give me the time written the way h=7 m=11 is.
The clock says h=5 m=23
